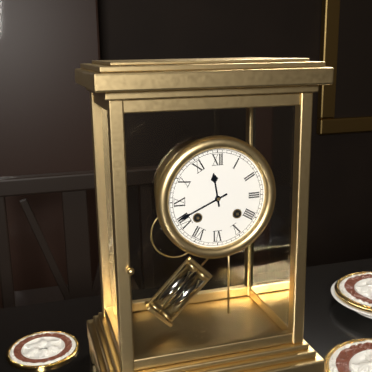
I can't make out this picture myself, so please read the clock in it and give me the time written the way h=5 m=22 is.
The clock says h=11 m=41
